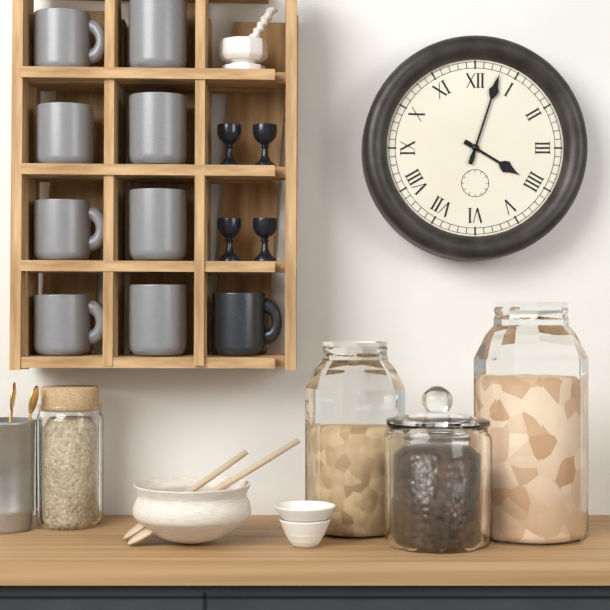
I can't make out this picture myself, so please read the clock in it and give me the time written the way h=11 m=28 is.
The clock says h=4 m=3
